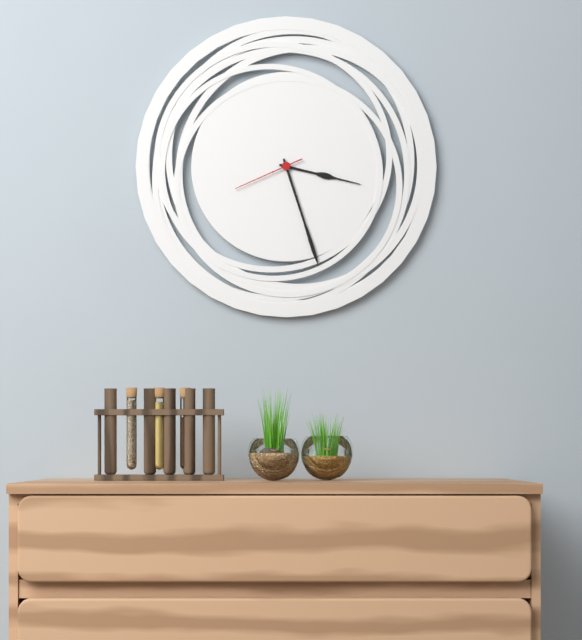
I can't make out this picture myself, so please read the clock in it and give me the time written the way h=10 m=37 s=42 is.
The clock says h=3 m=27 s=41
